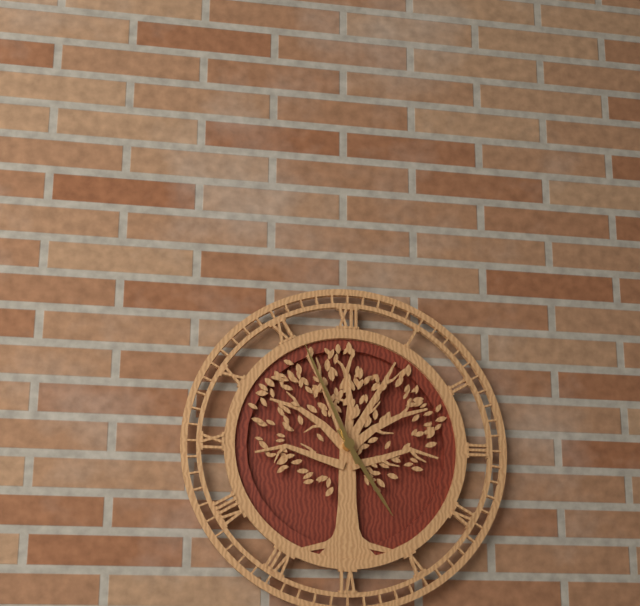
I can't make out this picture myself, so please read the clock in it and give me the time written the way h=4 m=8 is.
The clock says h=4 m=56
